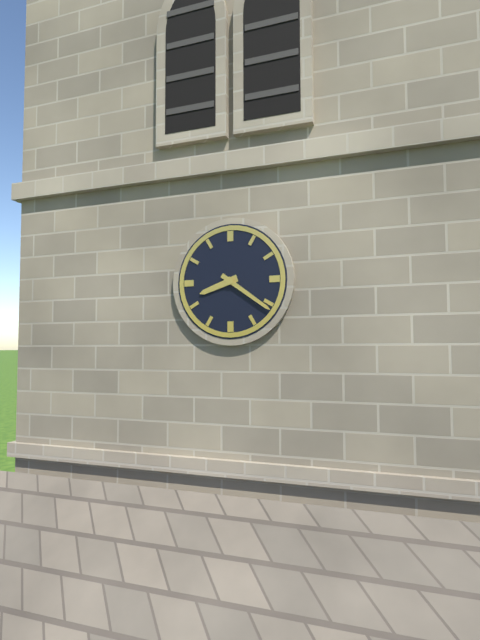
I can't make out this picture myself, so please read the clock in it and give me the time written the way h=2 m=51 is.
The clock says h=8 m=21
